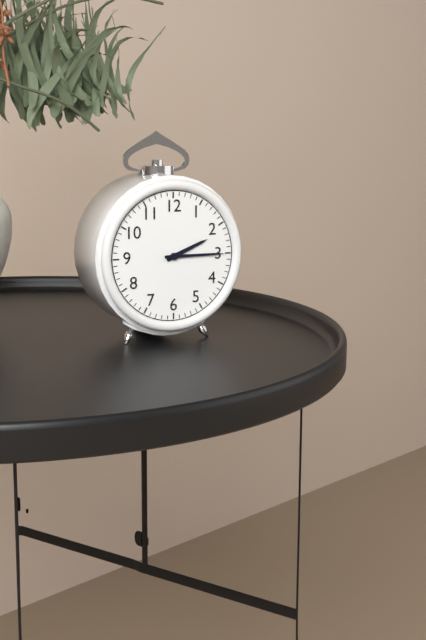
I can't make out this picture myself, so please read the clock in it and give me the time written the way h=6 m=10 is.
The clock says h=2 m=15
